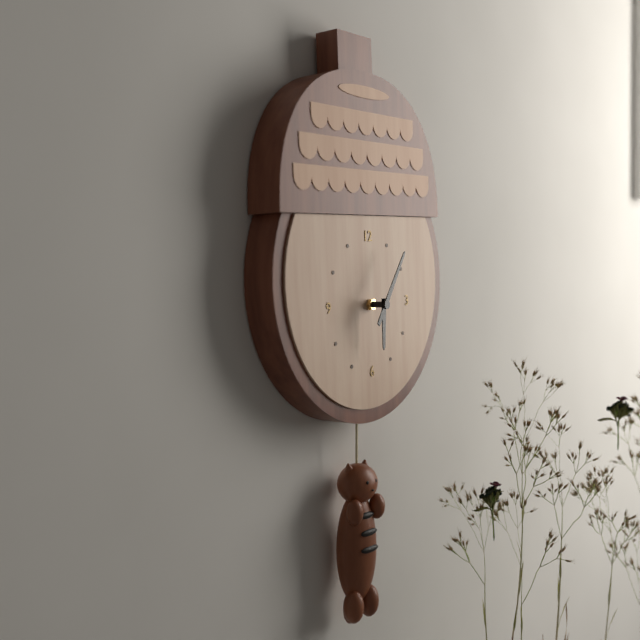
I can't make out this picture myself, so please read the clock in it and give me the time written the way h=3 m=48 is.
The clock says h=6 m=6
